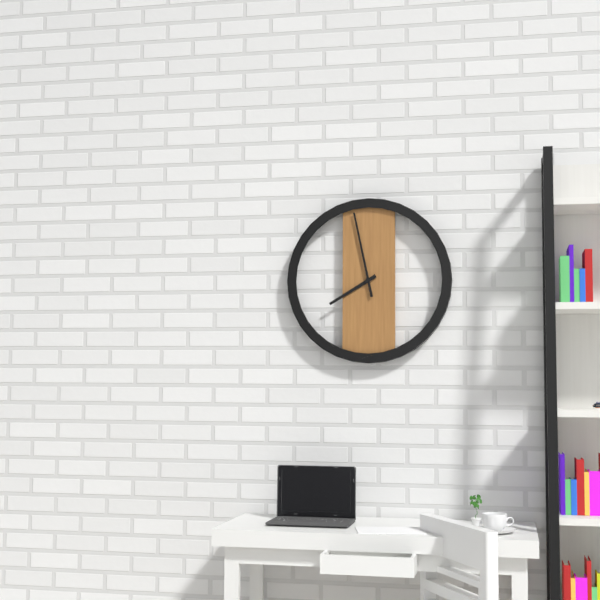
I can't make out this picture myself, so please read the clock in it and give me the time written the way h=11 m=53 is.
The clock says h=7 m=58
